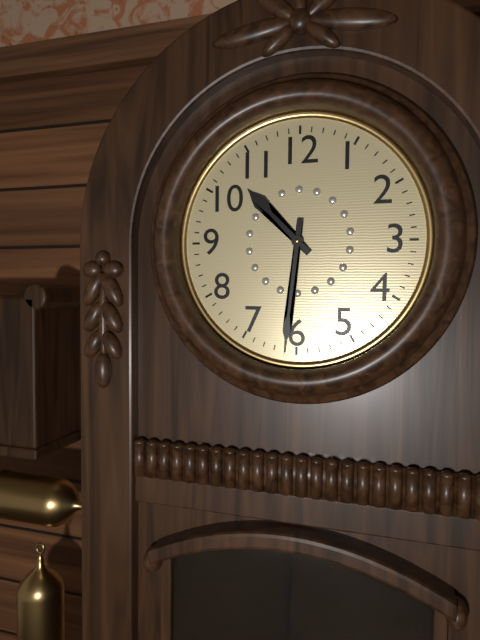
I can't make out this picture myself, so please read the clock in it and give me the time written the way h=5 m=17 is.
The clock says h=10 m=31
